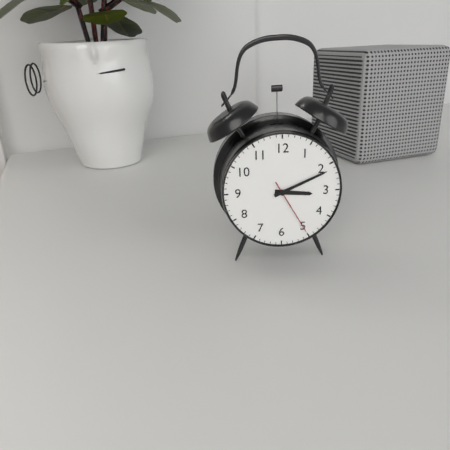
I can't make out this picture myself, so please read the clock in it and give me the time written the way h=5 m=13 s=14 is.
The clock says h=3 m=11 s=25
